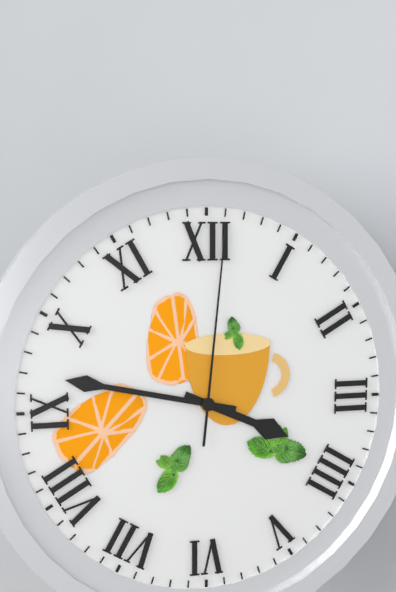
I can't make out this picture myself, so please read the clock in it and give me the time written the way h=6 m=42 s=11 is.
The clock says h=3 m=47 s=1
